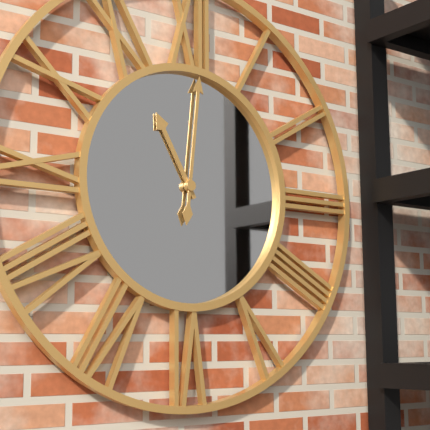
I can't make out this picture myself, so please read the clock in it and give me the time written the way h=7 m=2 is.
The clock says h=11 m=1
